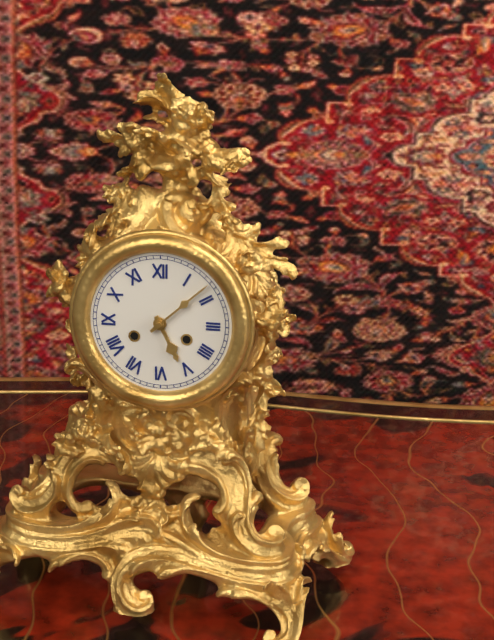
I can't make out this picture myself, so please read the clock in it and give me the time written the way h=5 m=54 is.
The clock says h=5 m=8
